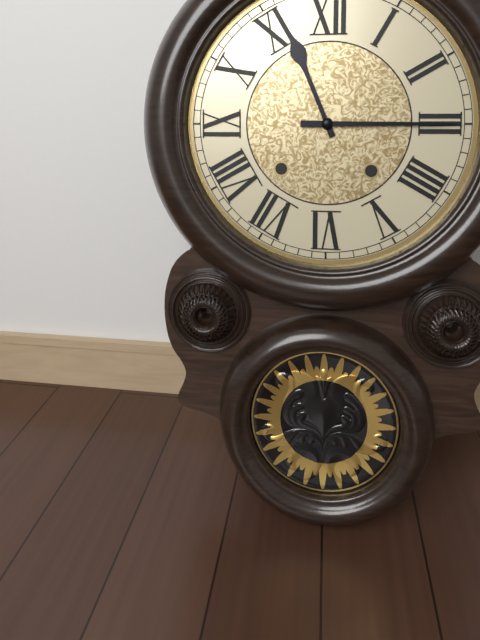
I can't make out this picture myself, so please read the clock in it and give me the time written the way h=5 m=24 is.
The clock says h=11 m=15
